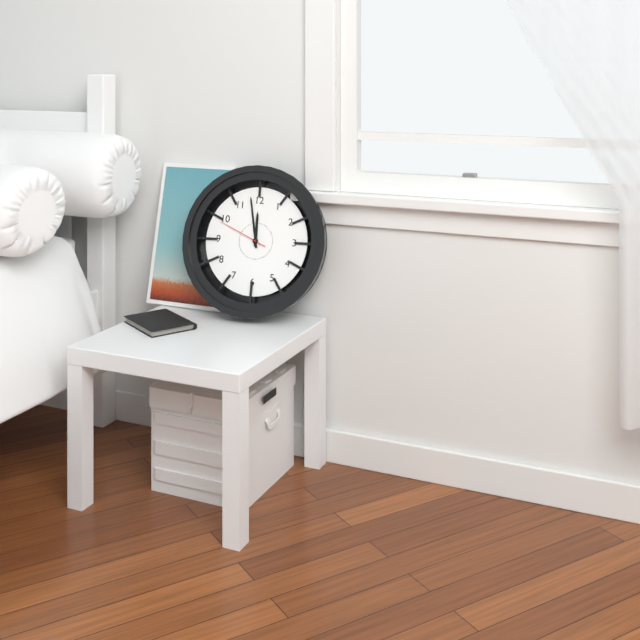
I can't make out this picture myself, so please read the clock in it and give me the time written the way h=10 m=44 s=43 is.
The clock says h=11 m=58 s=49
